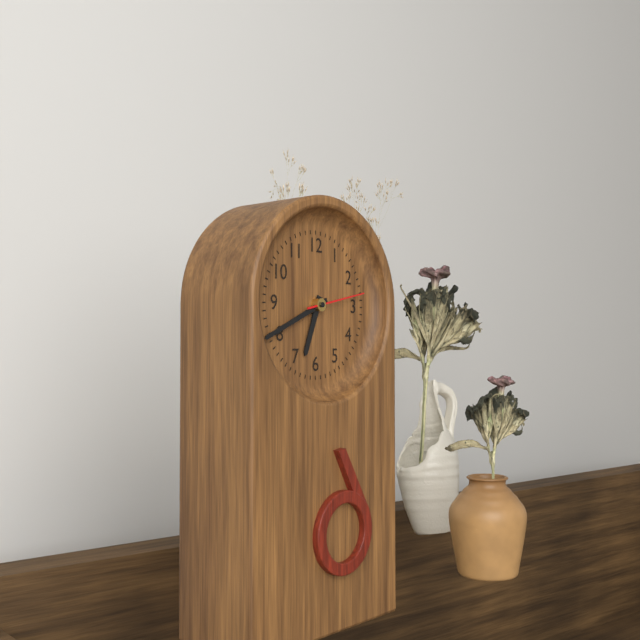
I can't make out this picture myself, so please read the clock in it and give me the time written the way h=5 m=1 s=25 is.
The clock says h=6 m=41 s=13
